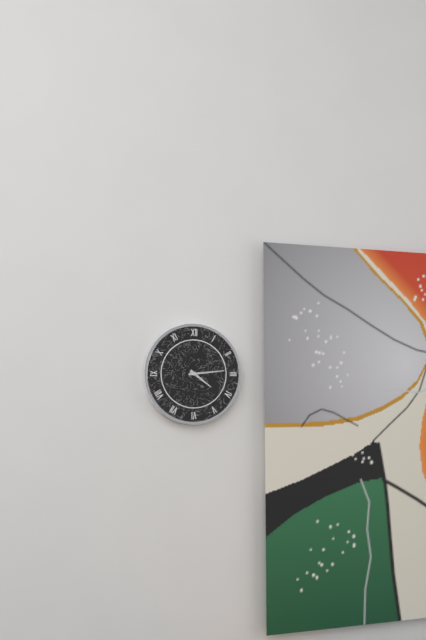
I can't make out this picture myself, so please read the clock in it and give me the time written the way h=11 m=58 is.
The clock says h=4 m=14
